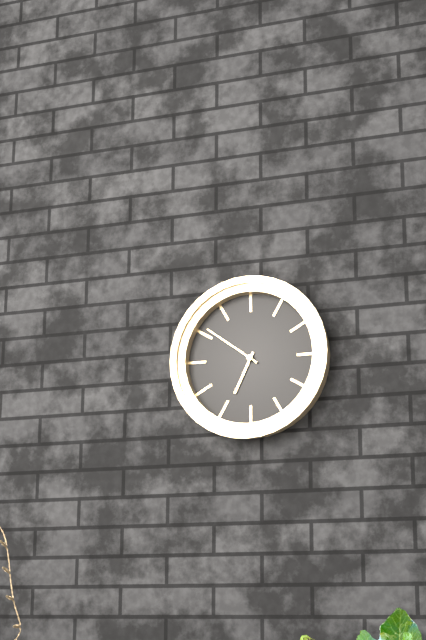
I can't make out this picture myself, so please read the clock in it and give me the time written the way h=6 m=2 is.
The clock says h=6 m=51
